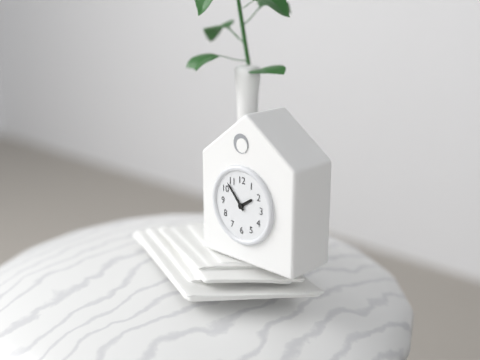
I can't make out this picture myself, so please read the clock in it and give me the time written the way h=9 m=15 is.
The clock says h=1 m=53
